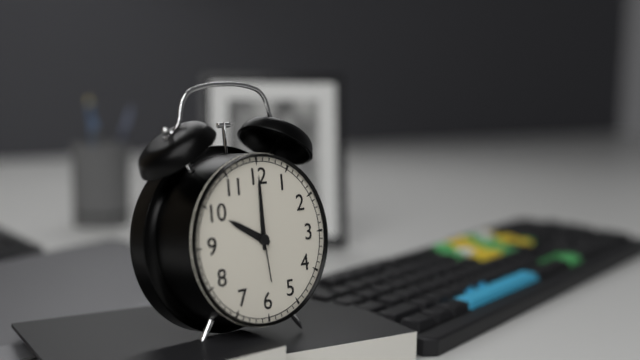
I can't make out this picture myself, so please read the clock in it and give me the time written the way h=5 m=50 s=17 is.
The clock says h=10 m=0 s=29
